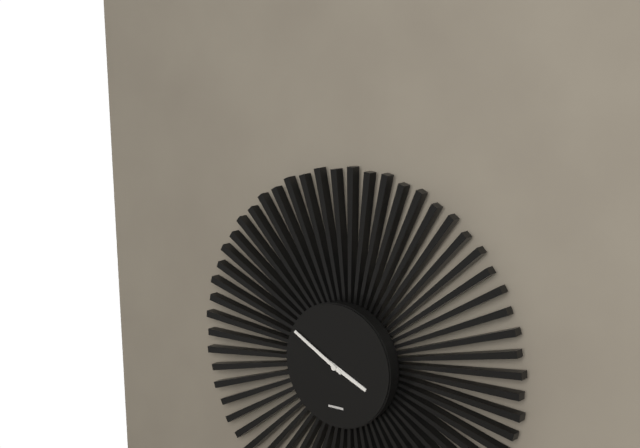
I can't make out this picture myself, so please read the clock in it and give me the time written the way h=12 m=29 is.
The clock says h=3 m=50
